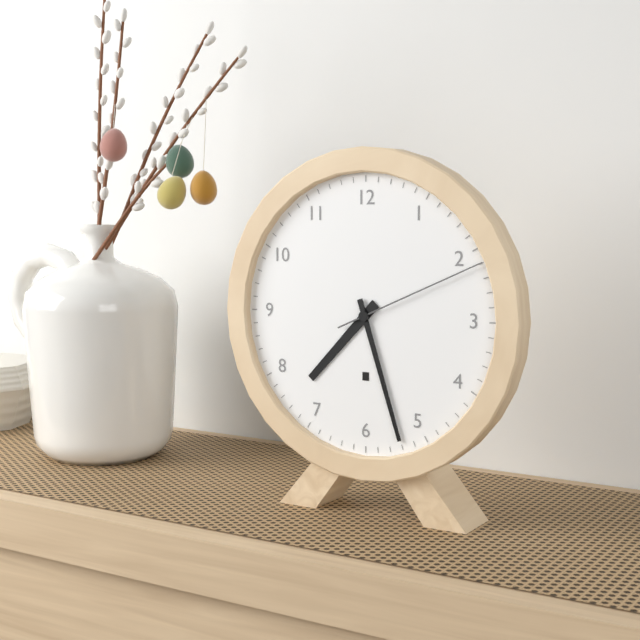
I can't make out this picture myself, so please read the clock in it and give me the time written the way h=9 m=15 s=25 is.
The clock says h=7 m=27 s=11
